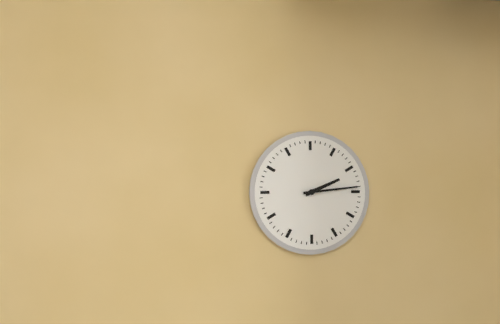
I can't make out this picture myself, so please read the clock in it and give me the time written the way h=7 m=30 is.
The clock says h=2 m=14
